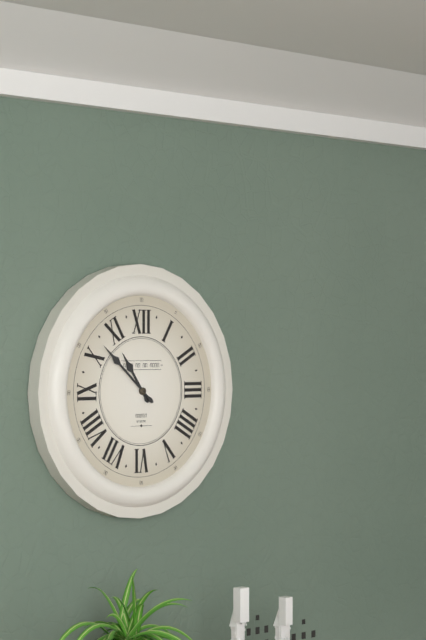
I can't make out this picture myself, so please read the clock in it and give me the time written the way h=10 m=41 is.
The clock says h=10 m=52
